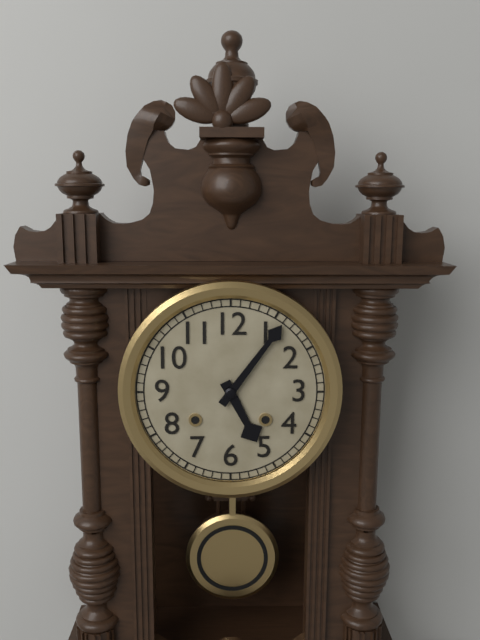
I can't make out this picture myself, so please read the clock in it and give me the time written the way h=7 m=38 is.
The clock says h=5 m=6
